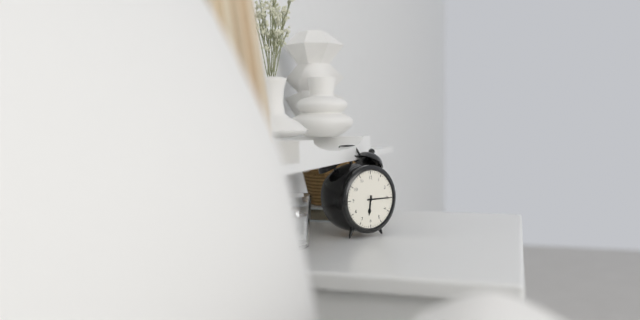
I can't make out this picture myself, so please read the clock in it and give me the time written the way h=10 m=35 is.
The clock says h=6 m=15
